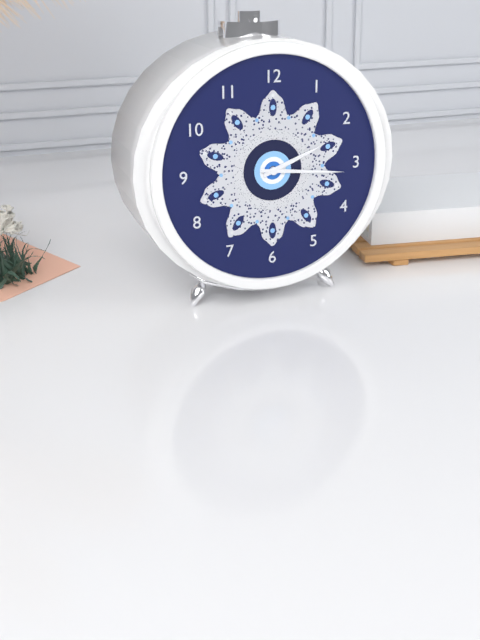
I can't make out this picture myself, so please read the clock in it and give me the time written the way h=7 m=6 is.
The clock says h=2 m=16
